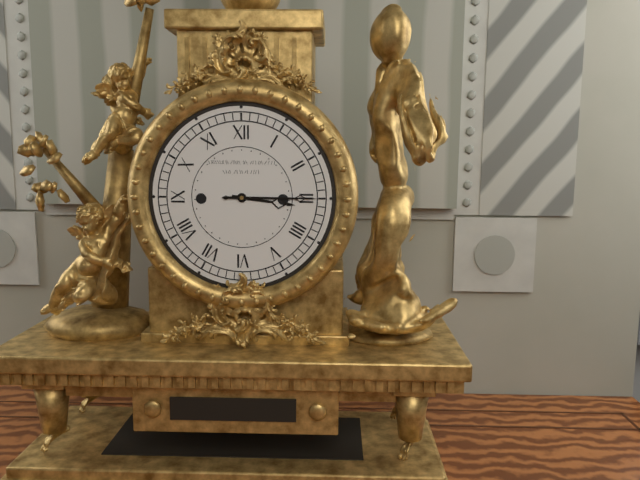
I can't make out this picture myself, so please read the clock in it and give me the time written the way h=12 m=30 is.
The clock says h=3 m=15
